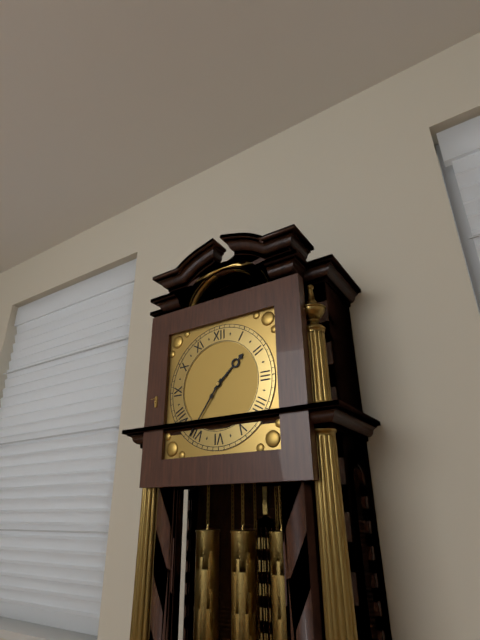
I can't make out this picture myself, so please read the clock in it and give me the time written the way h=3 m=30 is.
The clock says h=1 m=36
